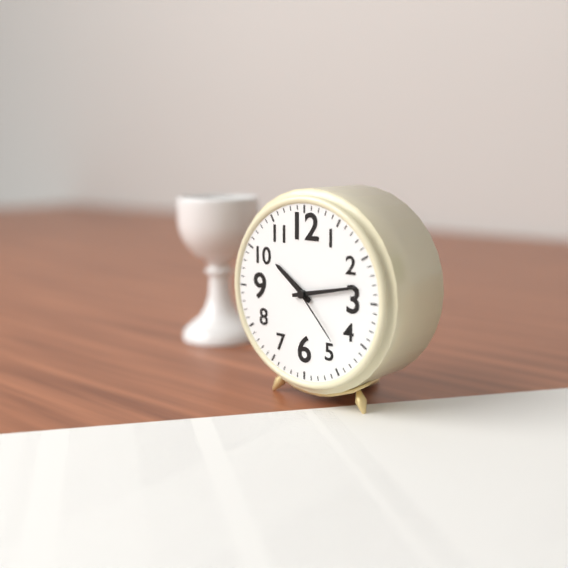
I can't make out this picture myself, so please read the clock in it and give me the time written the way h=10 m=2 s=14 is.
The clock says h=10 m=13 s=23
